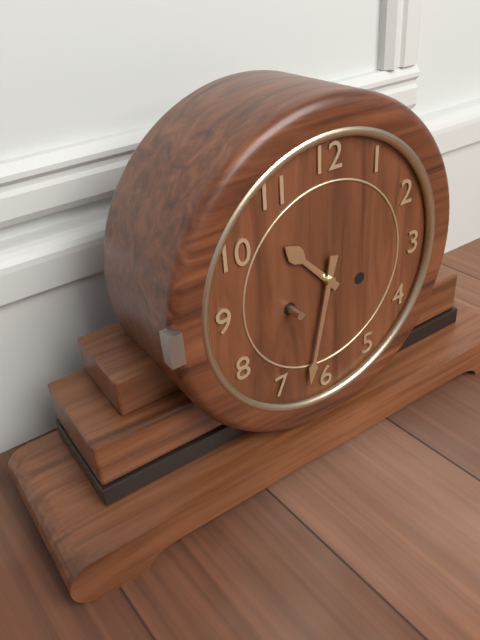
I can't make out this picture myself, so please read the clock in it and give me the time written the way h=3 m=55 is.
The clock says h=10 m=32
